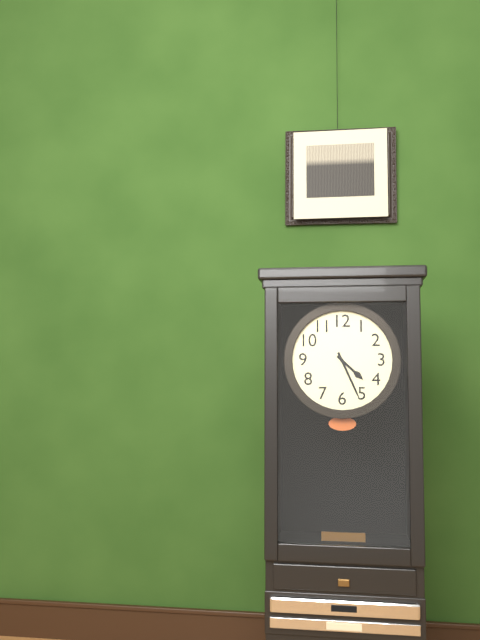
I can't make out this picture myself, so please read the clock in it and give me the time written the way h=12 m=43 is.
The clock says h=4 m=26
